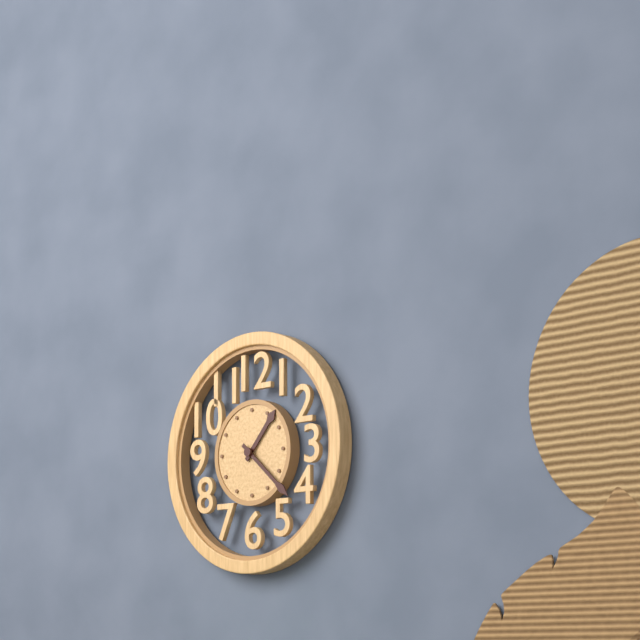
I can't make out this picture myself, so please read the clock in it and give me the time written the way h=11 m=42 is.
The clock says h=1 m=22
